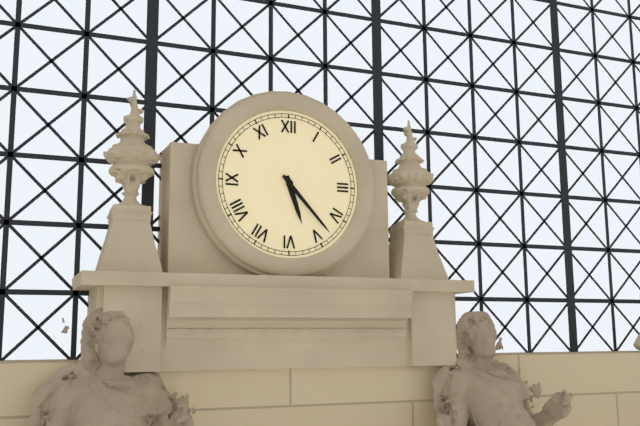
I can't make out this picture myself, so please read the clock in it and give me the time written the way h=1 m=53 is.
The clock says h=5 m=23
